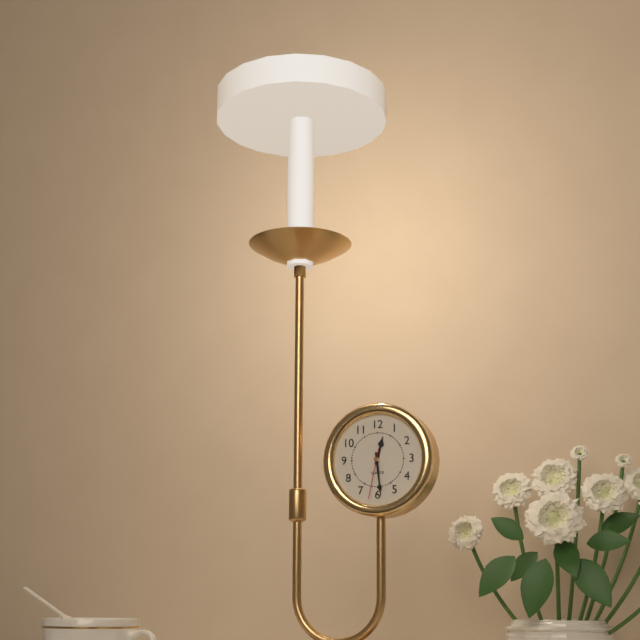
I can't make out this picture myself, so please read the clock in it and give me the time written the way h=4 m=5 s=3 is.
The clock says h=12 m=29 s=32
